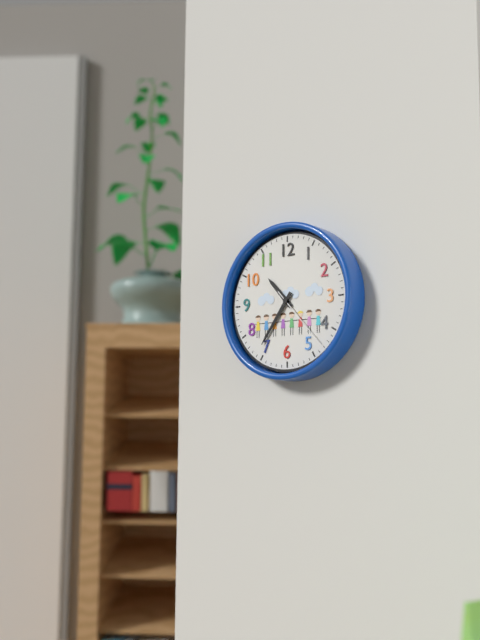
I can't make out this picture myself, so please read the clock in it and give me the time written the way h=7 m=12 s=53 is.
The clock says h=10 m=36 s=23
